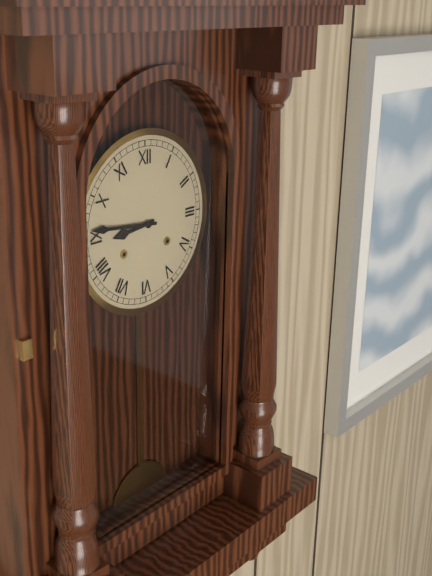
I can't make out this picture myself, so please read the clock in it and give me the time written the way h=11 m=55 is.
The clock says h=8 m=46
